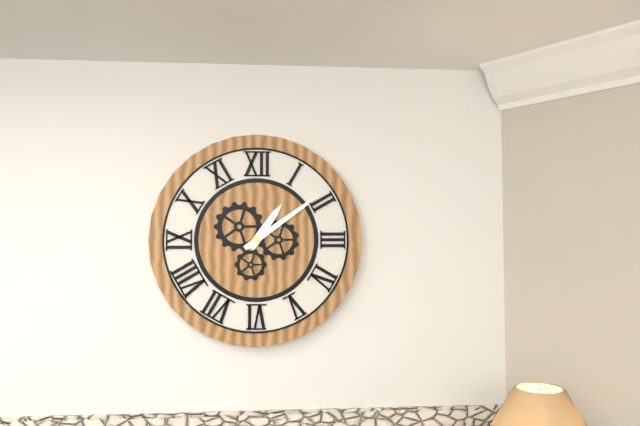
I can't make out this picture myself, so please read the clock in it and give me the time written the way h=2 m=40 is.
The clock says h=1 m=9
